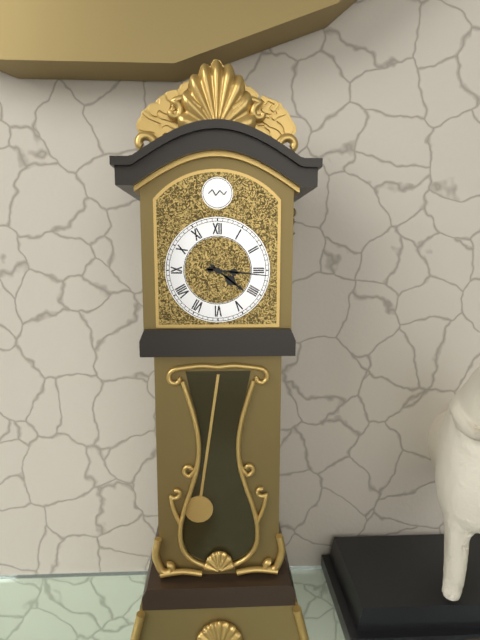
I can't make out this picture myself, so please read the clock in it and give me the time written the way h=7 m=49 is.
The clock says h=4 m=16
